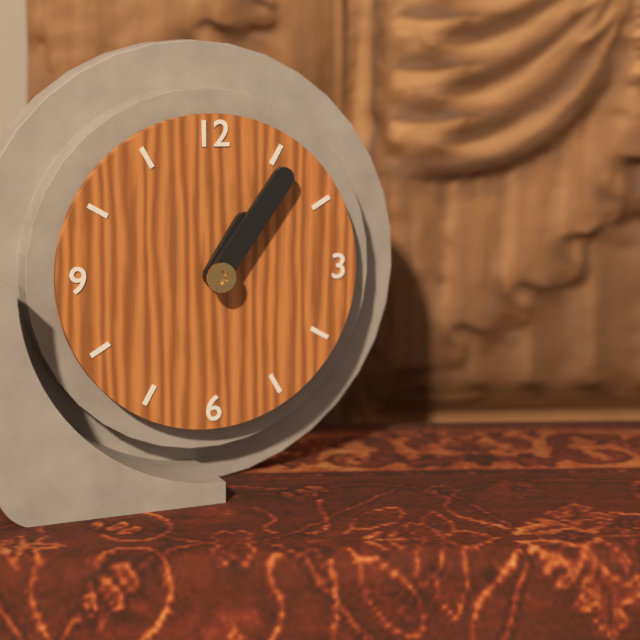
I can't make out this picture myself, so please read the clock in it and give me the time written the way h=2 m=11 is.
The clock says h=1 m=6
